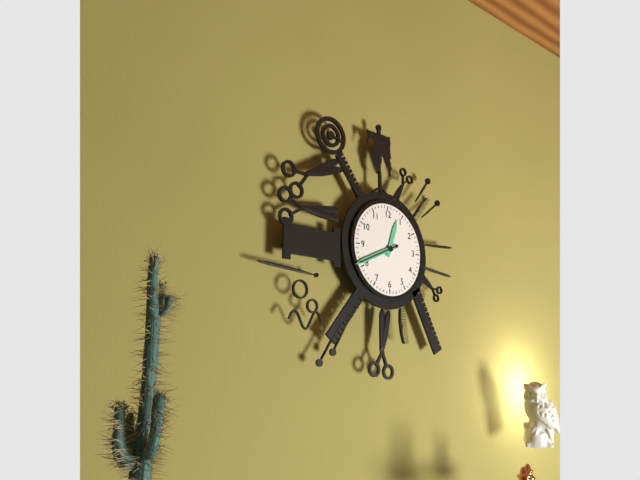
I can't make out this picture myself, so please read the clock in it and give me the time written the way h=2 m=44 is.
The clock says h=12 m=41
